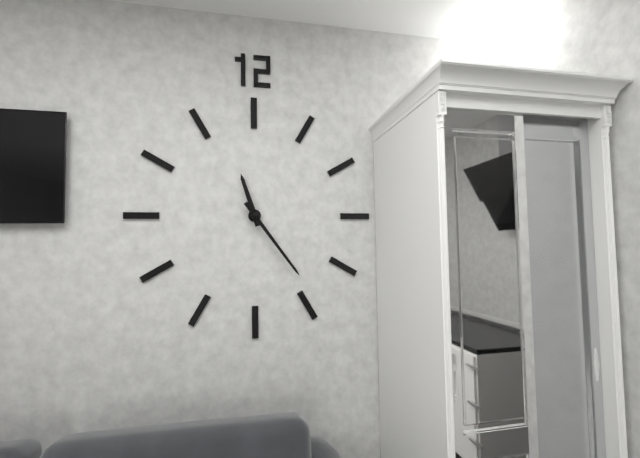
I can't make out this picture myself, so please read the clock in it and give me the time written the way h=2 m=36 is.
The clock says h=11 m=24
